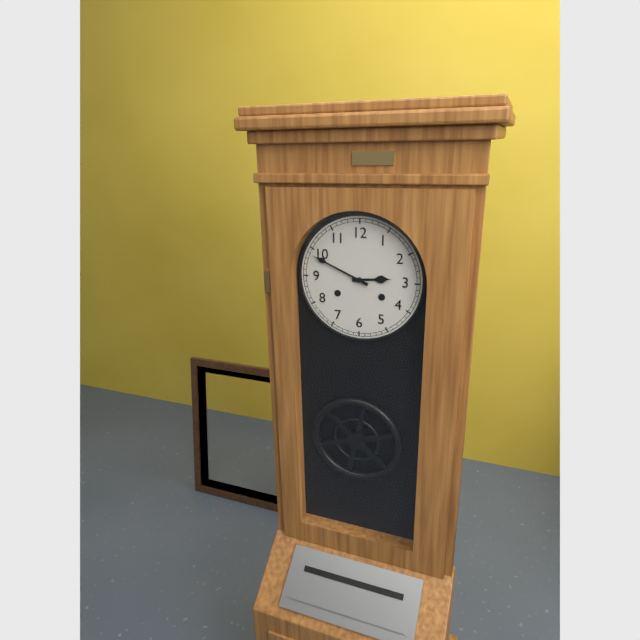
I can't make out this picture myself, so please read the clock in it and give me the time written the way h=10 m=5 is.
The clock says h=2 m=49
